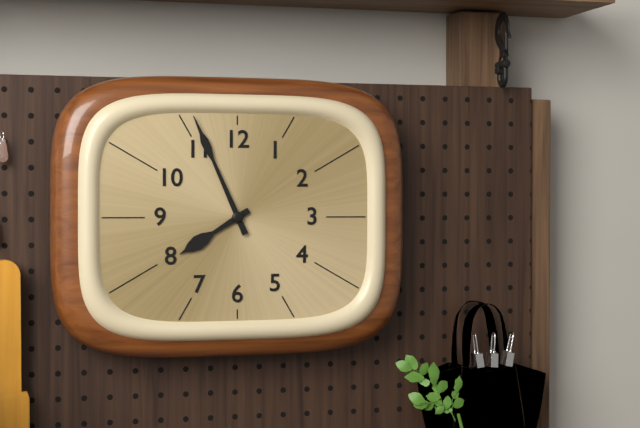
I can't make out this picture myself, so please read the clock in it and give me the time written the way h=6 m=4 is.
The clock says h=7 m=56
